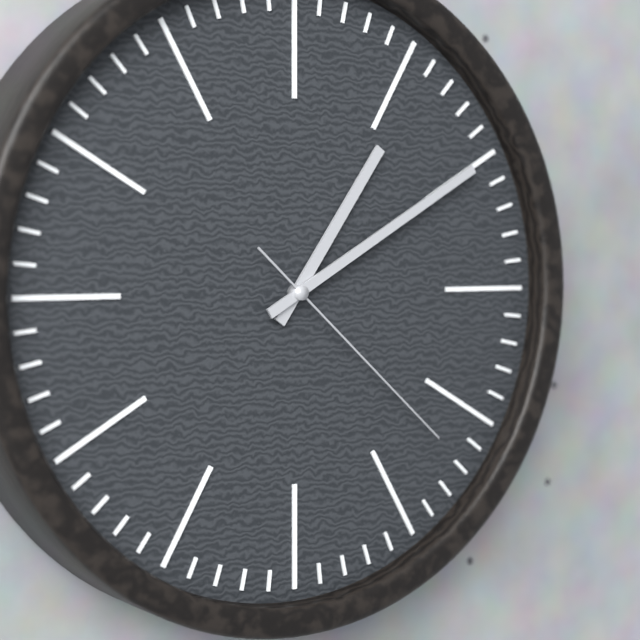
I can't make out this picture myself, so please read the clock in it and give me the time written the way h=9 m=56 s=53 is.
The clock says h=1 m=10 s=22
